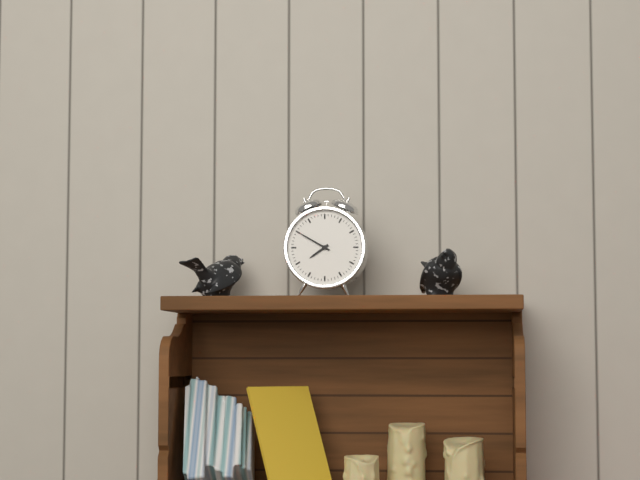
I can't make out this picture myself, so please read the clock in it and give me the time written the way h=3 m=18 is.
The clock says h=7 m=50
